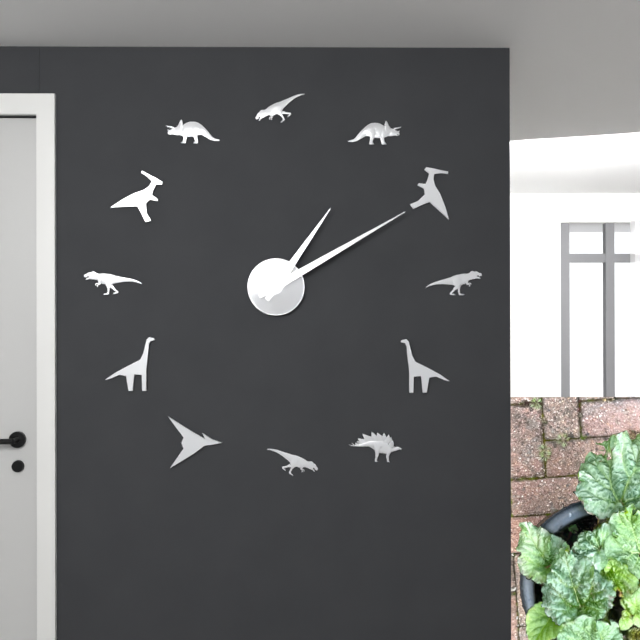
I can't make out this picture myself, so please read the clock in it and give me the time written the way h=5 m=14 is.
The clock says h=1 m=10
